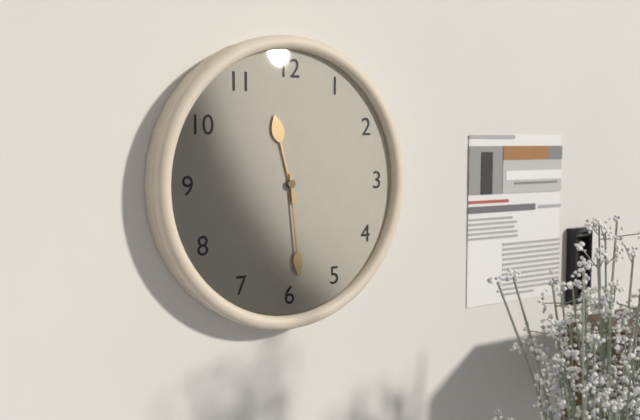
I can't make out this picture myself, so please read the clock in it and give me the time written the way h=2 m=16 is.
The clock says h=11 m=29
